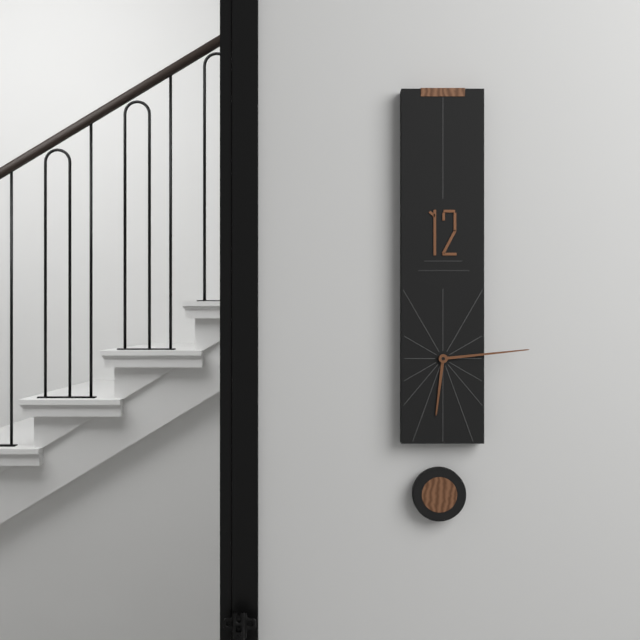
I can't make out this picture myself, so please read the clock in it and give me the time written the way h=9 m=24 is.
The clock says h=6 m=14
